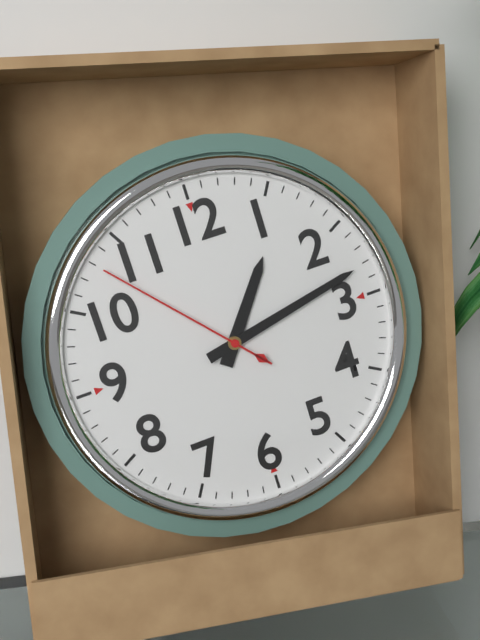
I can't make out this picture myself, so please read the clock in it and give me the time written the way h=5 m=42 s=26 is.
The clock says h=1 m=13 s=53
